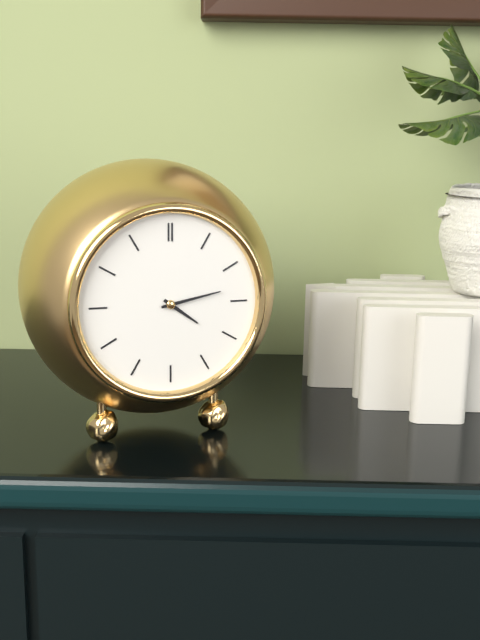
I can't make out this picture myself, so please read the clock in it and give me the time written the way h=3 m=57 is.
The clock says h=4 m=13
